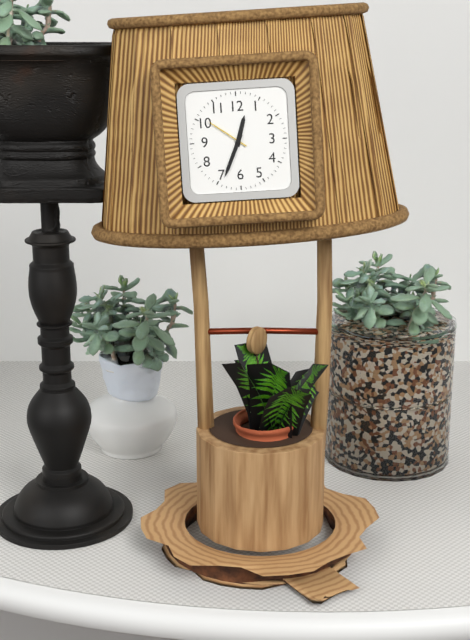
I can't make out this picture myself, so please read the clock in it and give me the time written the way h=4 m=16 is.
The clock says h=12 m=34
